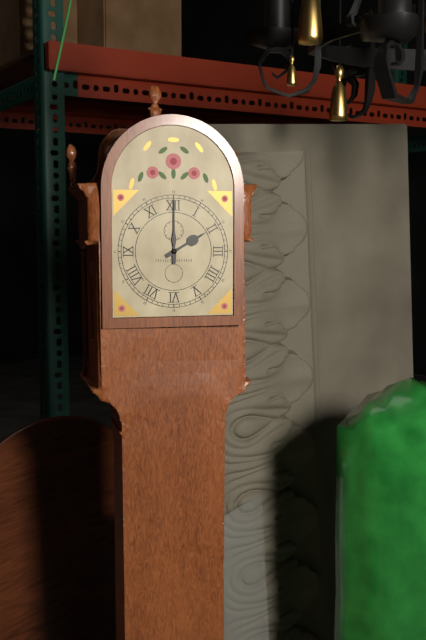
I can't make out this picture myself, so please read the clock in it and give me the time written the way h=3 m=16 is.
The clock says h=2 m=0
